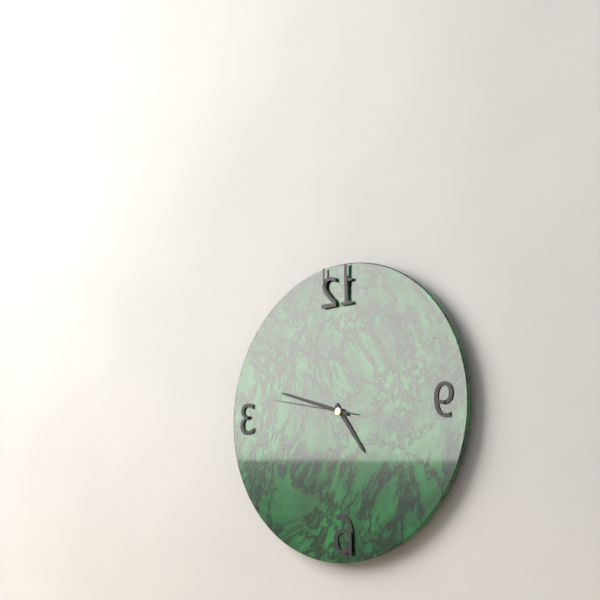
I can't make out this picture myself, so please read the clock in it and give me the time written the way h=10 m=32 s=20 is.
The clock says h=4 m=48 s=47
